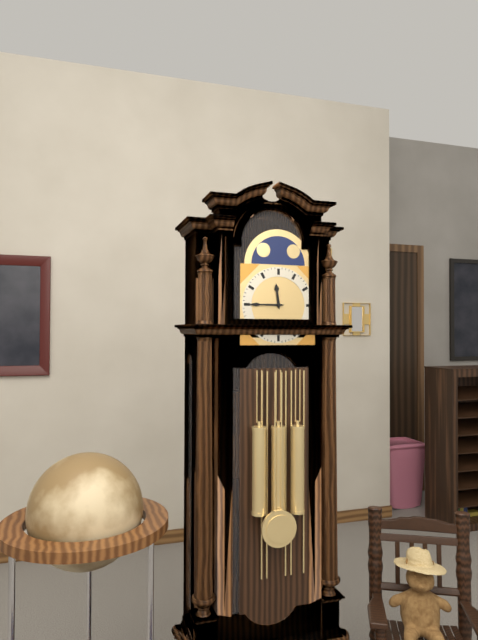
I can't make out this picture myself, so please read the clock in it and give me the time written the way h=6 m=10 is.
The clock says h=11 m=45
